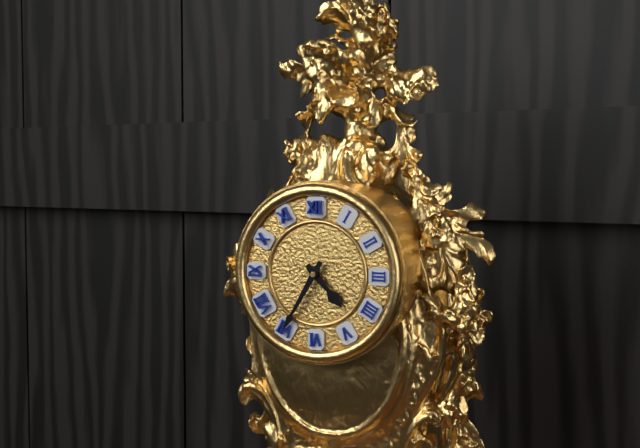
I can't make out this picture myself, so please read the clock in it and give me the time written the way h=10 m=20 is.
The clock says h=4 m=35
